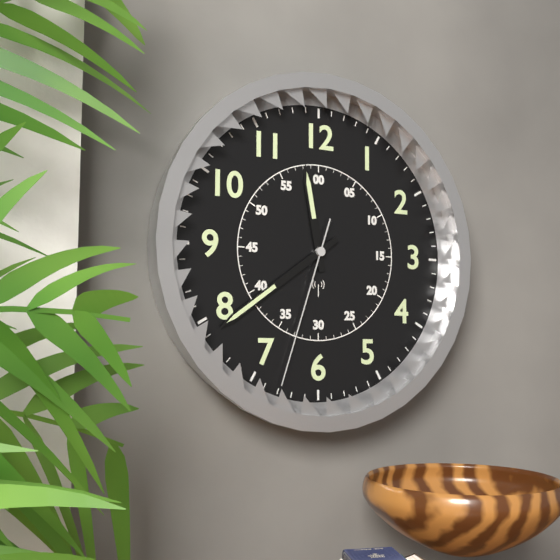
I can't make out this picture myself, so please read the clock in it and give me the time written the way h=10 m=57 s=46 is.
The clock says h=11 m=39 s=33
